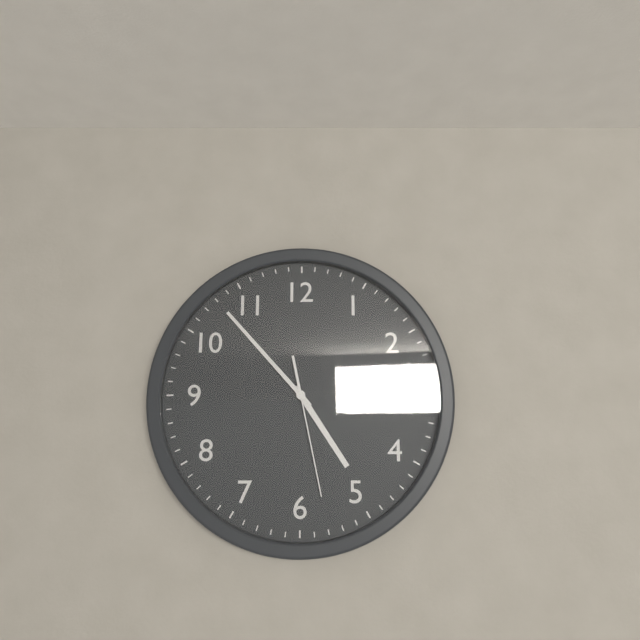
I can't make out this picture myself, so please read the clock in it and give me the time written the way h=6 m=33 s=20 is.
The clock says h=4 m=53 s=28
